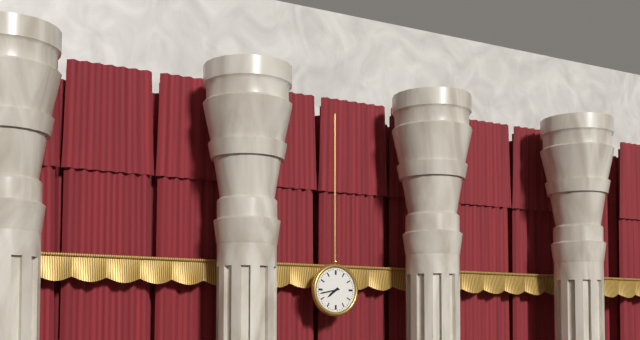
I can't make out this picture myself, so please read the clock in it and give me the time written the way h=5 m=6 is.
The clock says h=7 m=43
